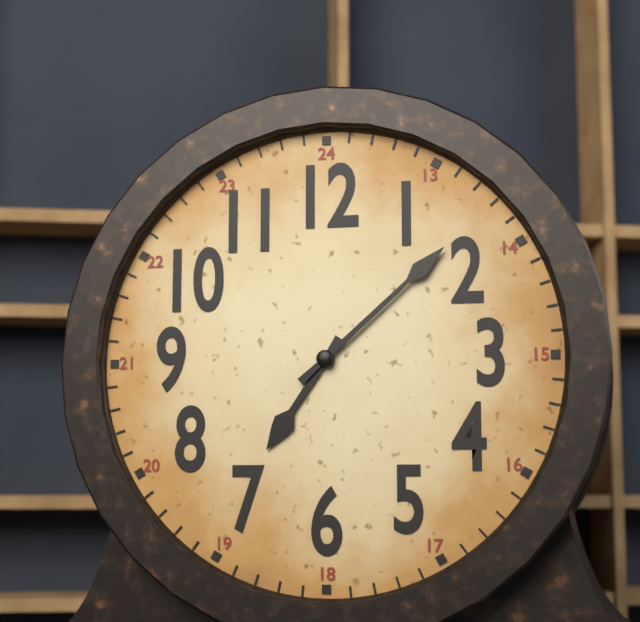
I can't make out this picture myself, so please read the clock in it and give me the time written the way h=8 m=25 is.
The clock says h=7 m=8
